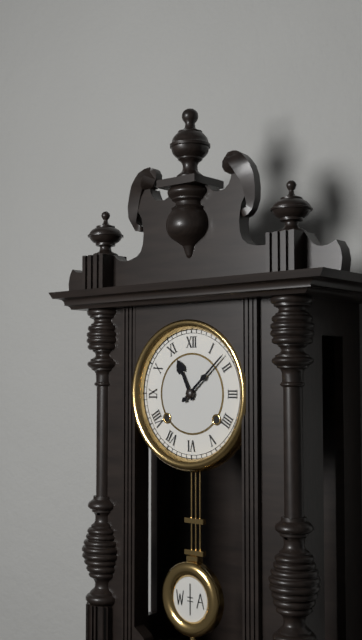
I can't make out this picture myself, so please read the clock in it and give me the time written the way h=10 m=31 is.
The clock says h=11 m=8
